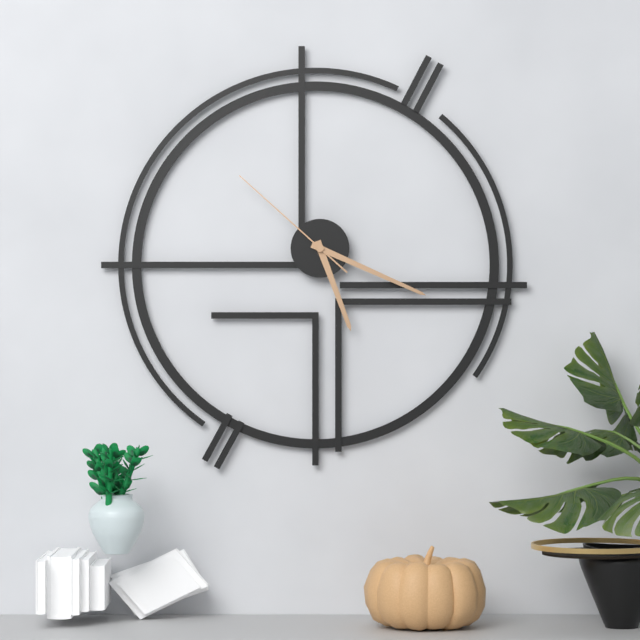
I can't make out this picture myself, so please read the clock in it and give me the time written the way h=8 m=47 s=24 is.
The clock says h=5 m=19 s=52
